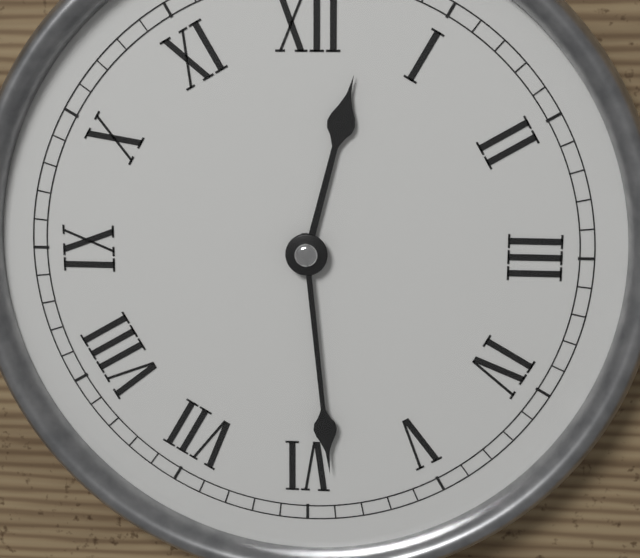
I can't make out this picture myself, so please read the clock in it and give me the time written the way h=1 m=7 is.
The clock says h=12 m=29
